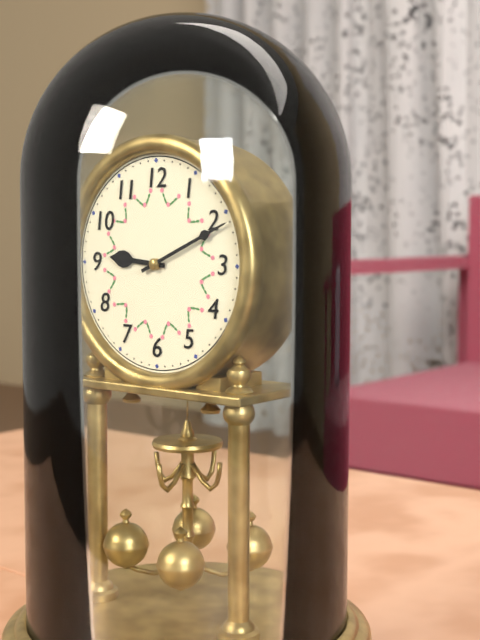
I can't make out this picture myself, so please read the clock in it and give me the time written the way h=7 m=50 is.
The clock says h=9 m=11
